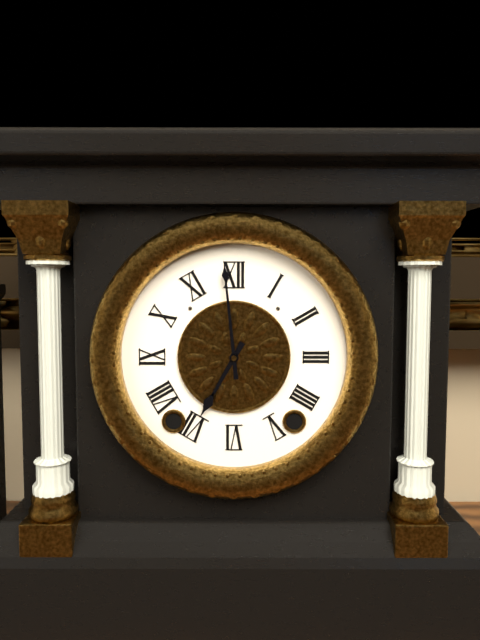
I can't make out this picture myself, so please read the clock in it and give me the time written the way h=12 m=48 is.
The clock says h=6 m=59
